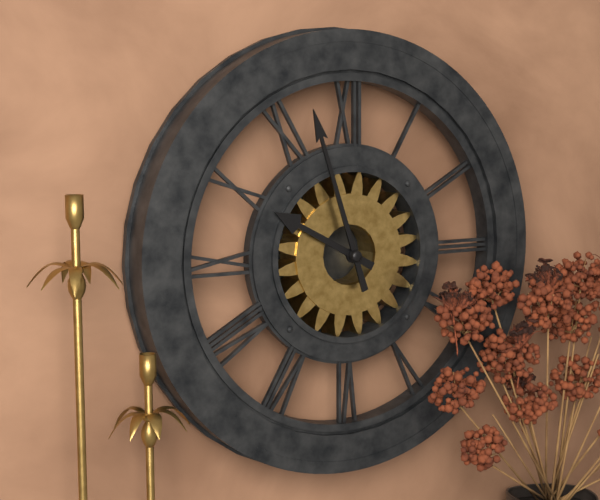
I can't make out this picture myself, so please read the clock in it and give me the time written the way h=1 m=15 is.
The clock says h=9 m=57
